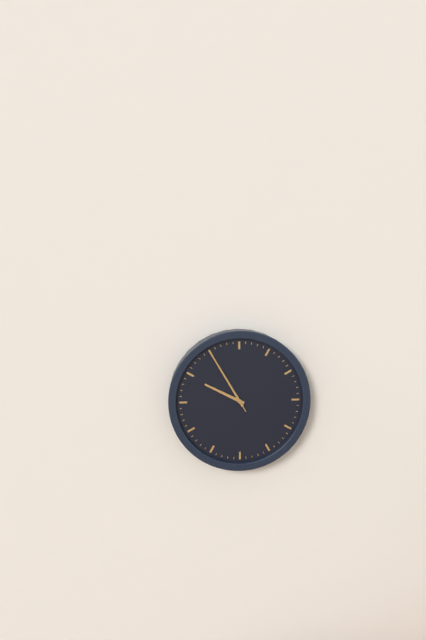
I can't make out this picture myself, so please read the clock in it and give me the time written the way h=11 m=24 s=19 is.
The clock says h=9 m=55 s=55
